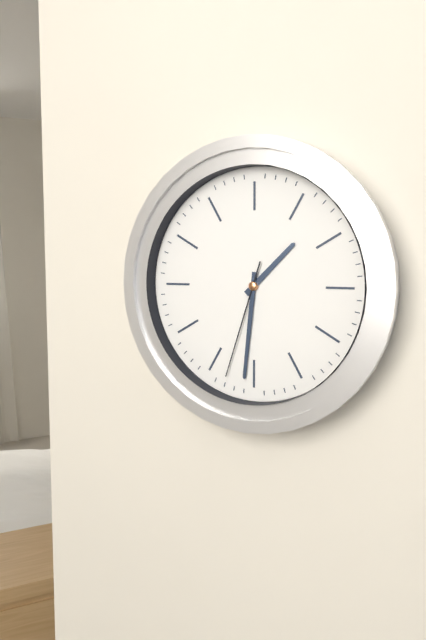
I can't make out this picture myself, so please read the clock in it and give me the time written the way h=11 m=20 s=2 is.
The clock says h=1 m=31 s=33
